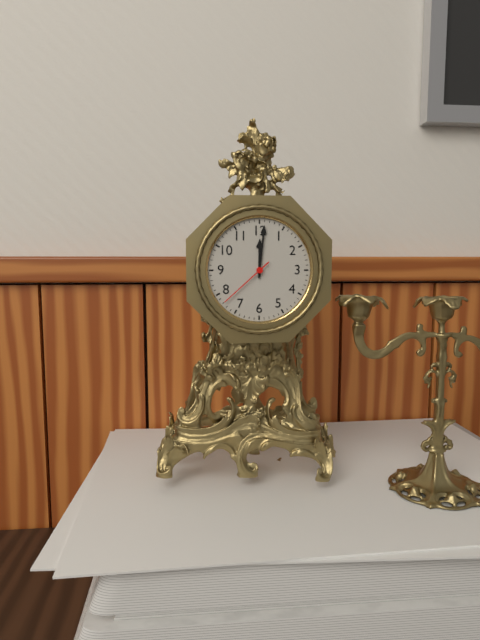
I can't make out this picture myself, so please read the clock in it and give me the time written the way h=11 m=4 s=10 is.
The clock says h=12 m=1 s=38
